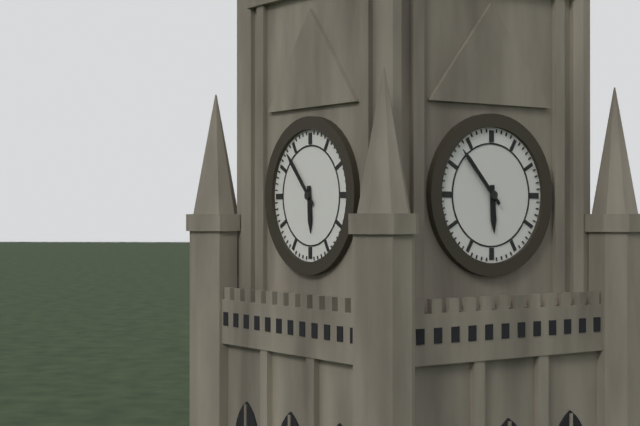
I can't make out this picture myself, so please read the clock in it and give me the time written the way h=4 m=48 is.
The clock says h=5 m=53
